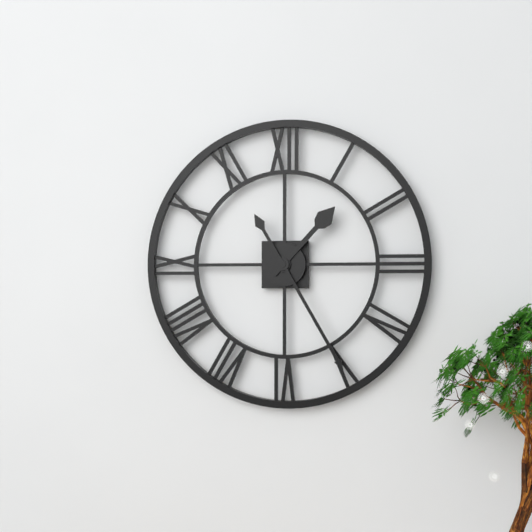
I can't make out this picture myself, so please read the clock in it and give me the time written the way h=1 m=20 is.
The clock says h=1 m=25
